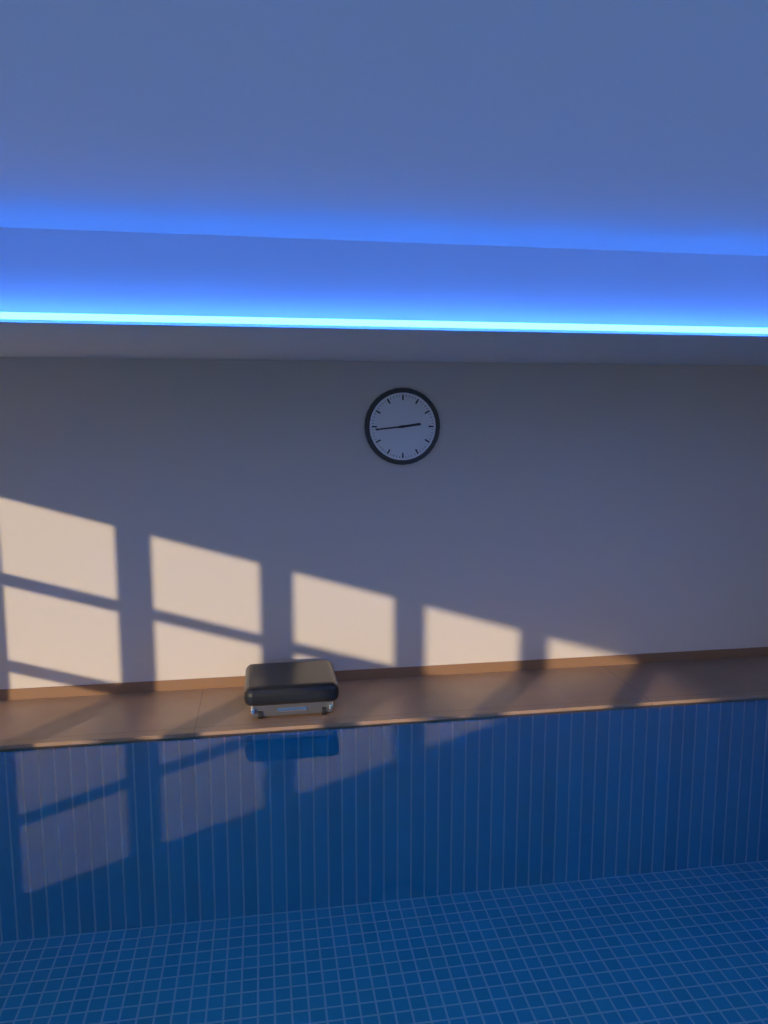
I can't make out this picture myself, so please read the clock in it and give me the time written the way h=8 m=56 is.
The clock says h=2 m=44
